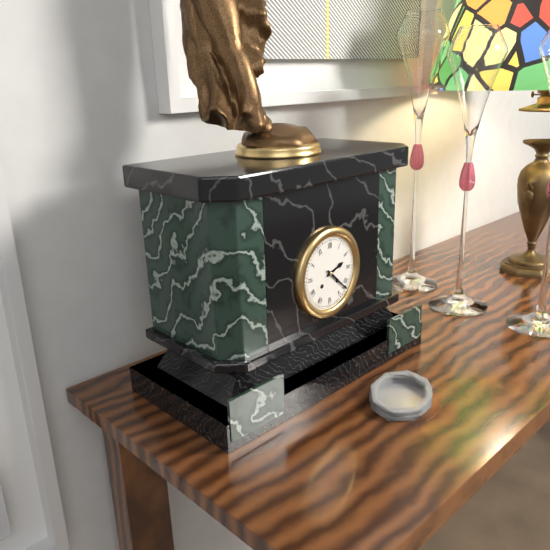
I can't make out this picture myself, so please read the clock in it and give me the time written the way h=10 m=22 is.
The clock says h=2 m=22
